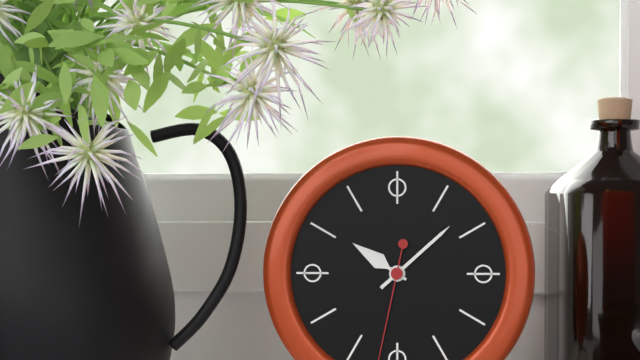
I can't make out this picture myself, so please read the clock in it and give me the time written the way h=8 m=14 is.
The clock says h=10 m=8
